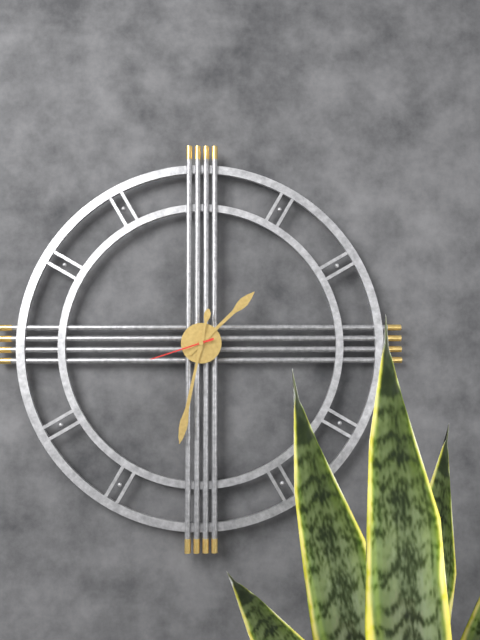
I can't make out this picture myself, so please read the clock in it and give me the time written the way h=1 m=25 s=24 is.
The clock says h=1 m=32 s=42
